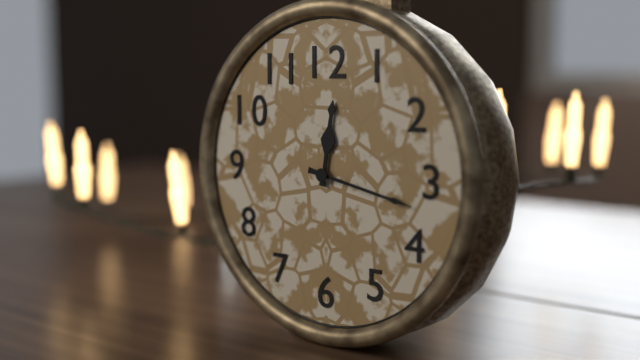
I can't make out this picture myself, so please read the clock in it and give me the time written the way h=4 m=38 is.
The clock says h=12 m=17
